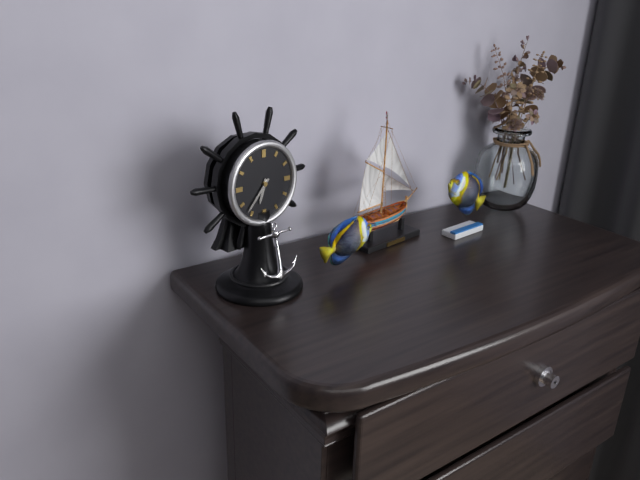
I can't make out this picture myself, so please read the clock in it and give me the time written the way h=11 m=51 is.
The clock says h=6 m=37
